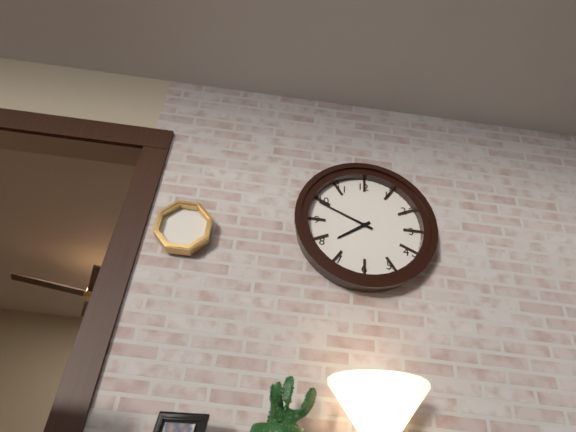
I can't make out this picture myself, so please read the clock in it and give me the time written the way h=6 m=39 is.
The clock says h=7 m=49
